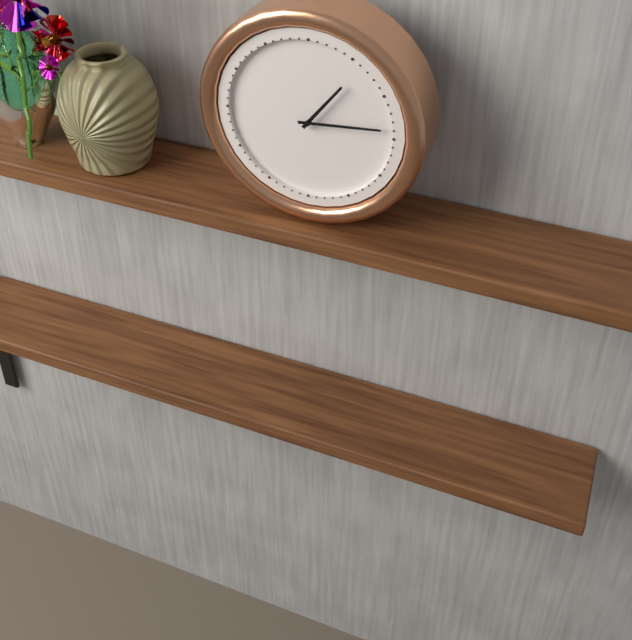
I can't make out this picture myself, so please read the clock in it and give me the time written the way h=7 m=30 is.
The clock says h=1 m=14
